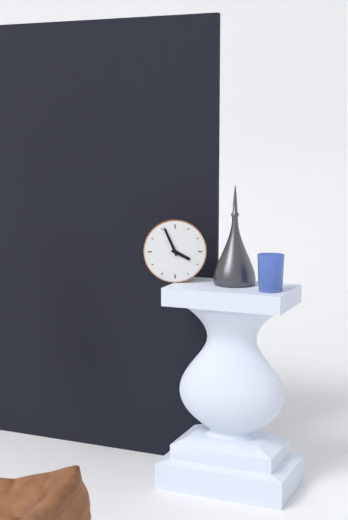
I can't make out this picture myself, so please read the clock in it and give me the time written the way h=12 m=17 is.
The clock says h=3 m=56
